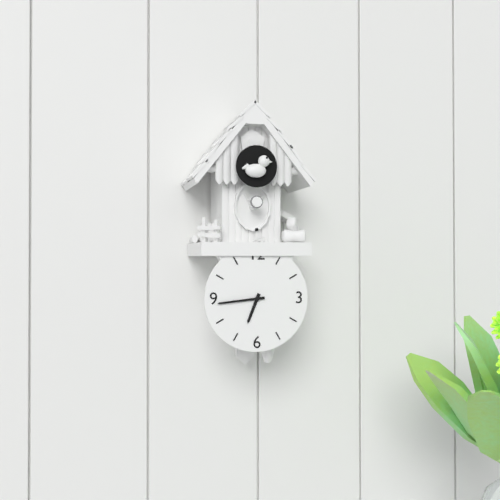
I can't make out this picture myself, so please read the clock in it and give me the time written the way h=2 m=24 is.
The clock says h=6 m=44
